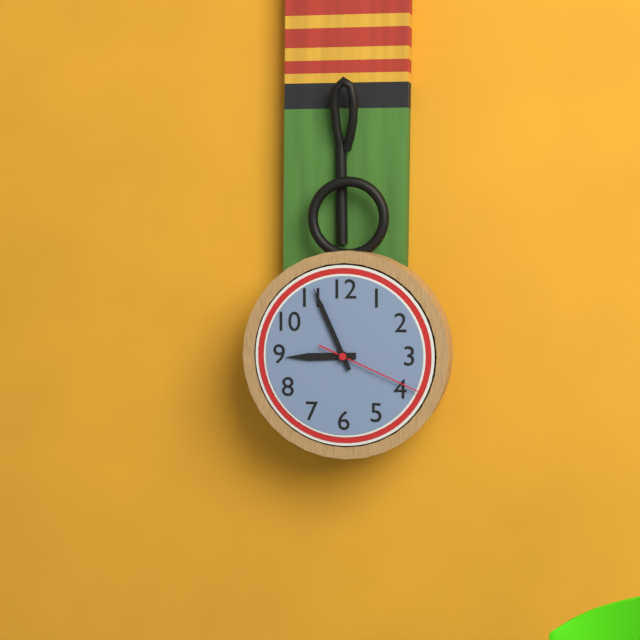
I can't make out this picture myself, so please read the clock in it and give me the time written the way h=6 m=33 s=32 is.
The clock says h=8 m=56 s=19
